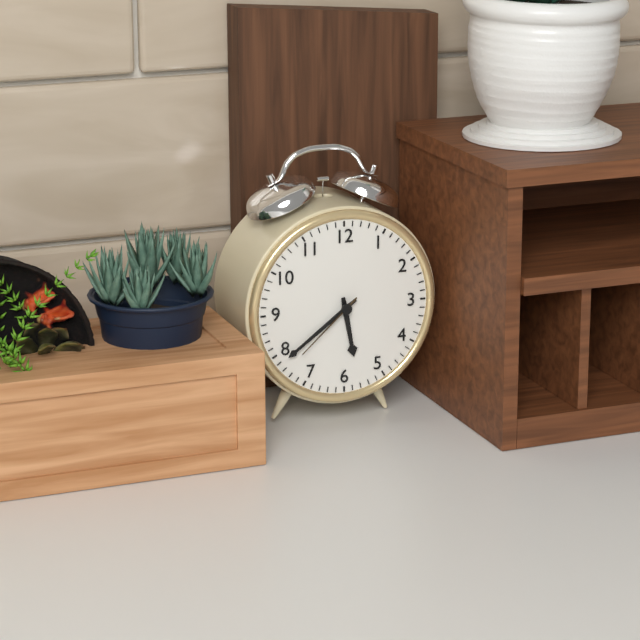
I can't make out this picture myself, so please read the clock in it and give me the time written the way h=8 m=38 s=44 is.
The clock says h=5 m=39 s=38
